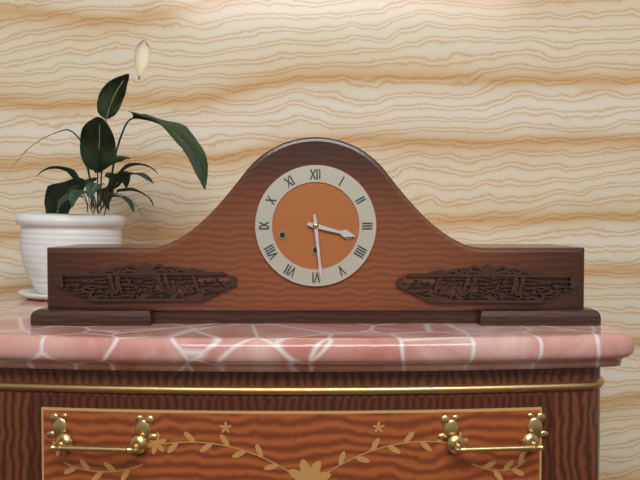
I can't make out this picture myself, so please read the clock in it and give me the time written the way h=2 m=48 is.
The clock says h=3 m=29
